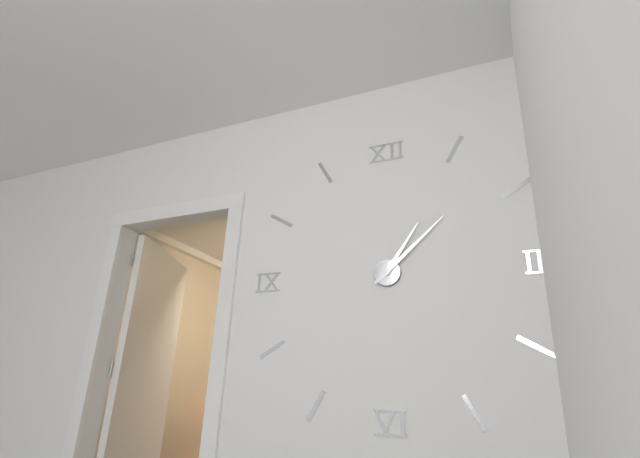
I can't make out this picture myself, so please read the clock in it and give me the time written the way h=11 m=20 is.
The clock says h=1 m=8
